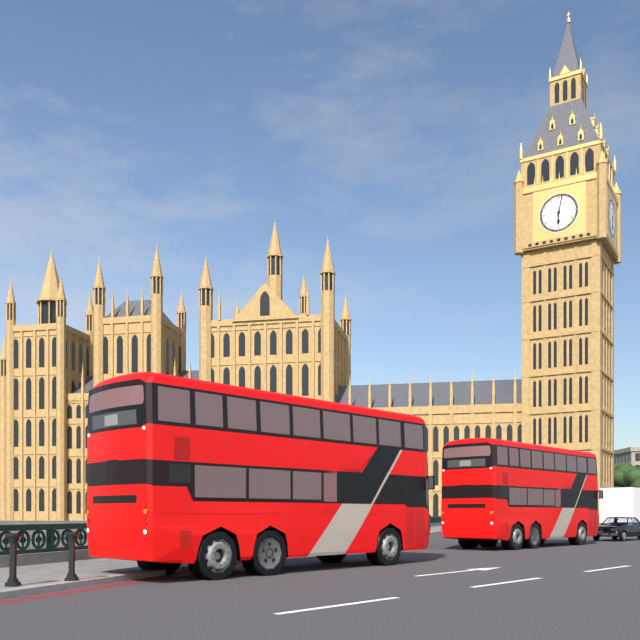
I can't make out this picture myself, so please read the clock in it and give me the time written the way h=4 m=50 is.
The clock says h=6 m=2
